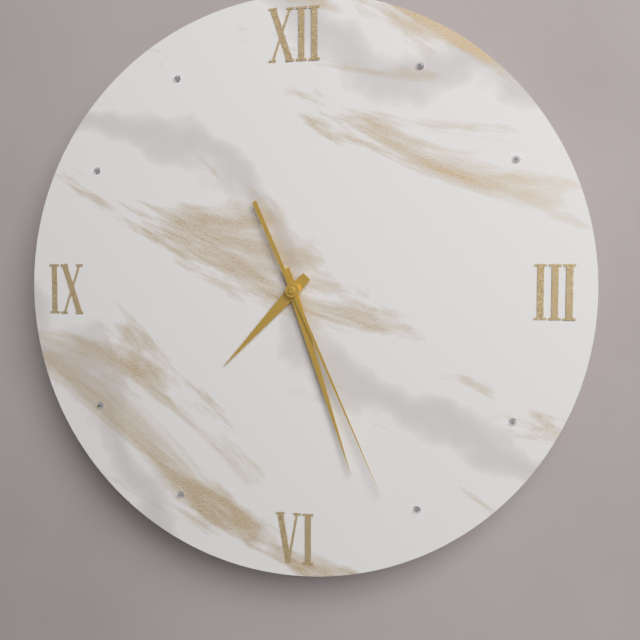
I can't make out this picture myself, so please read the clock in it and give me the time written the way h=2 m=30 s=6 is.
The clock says h=7 m=27 s=26
